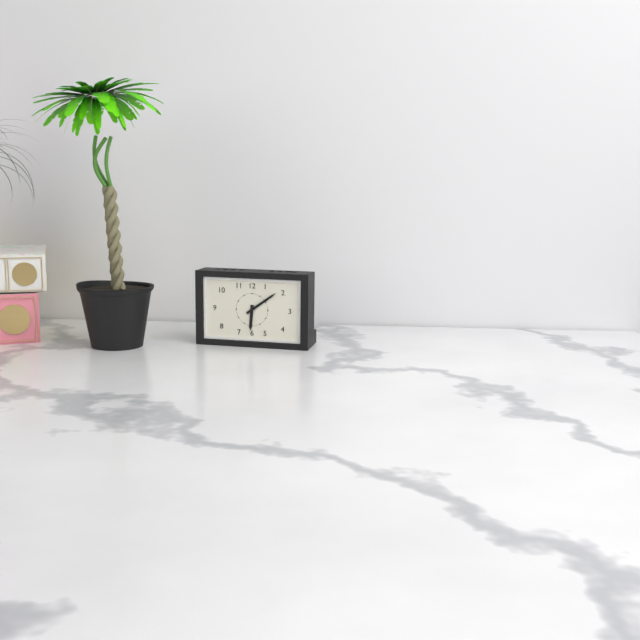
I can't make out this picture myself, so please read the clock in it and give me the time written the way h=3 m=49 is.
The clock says h=6 m=9
